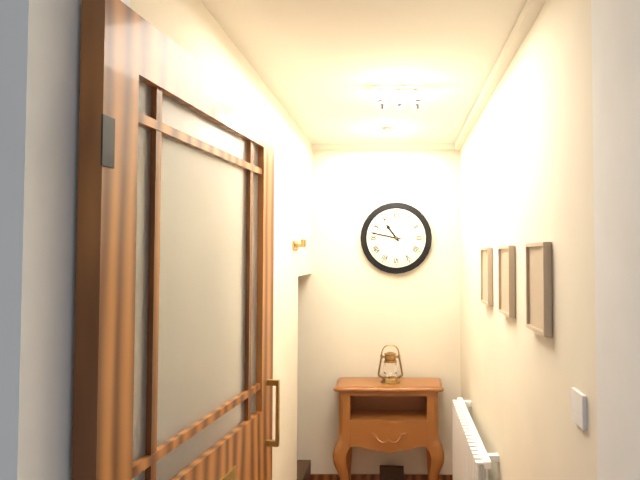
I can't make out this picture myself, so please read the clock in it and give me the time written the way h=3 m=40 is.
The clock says h=10 m=47
